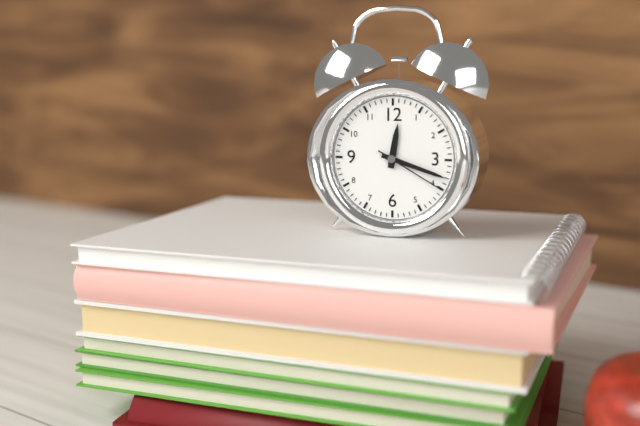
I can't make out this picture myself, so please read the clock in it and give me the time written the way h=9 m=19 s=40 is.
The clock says h=12 m=18 s=20
